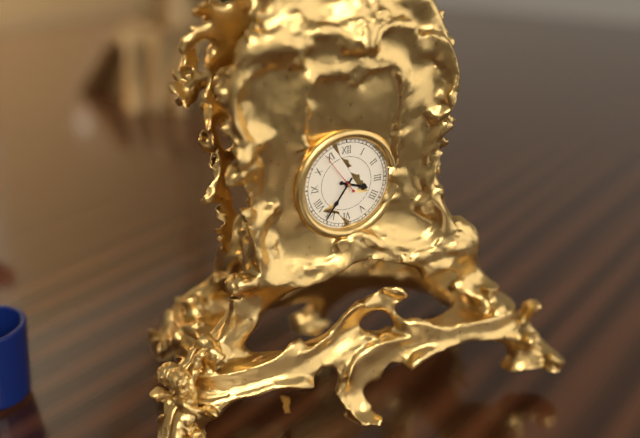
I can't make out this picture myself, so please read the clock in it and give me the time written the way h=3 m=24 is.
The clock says h=3 m=36
